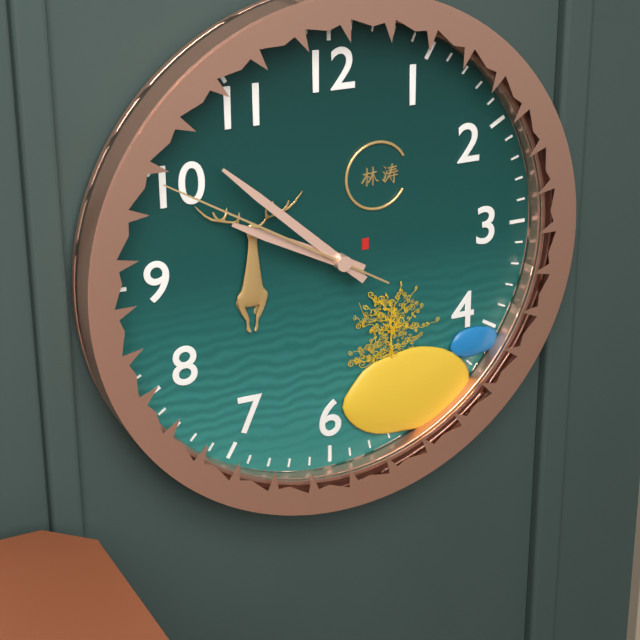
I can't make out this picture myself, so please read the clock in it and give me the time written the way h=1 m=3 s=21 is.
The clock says h=9 m=52 s=50
